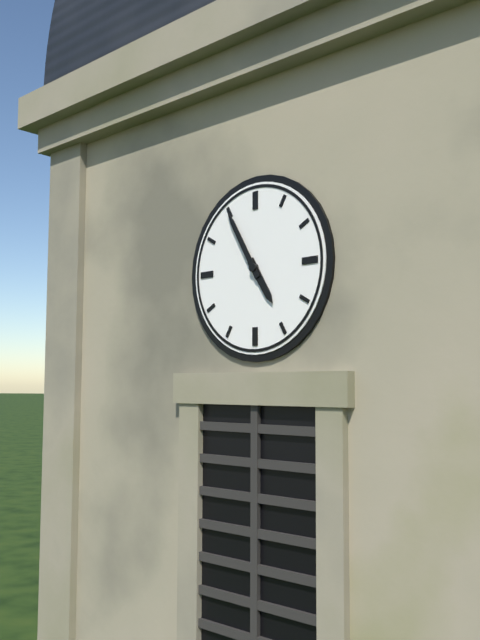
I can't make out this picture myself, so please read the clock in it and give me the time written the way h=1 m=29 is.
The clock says h=4 m=55
